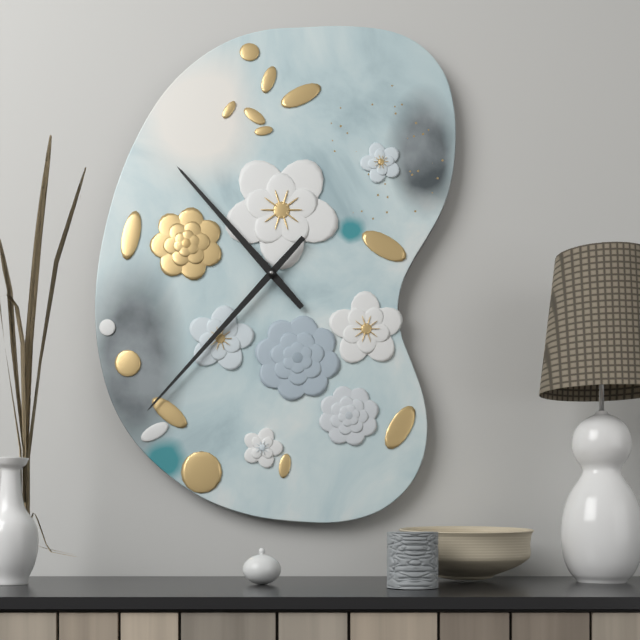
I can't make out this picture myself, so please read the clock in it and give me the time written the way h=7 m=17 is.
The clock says h=10 m=37
